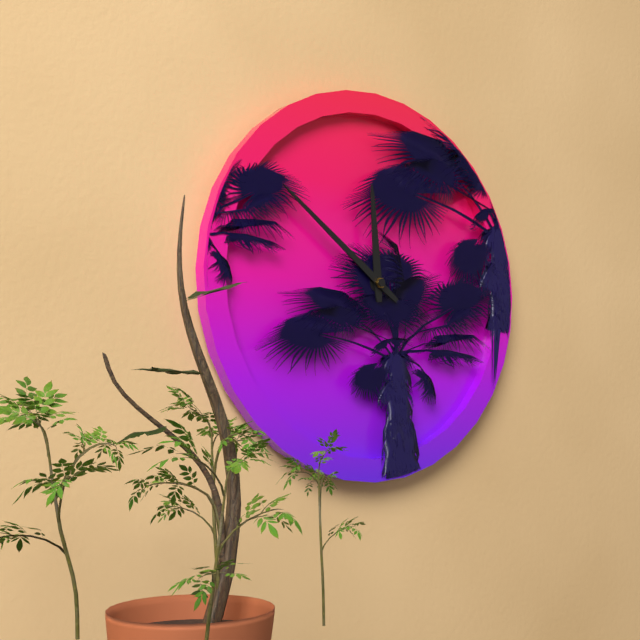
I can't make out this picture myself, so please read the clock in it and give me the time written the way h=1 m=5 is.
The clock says h=11 m=51
